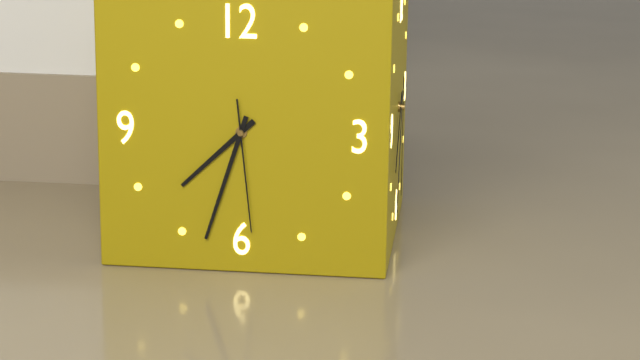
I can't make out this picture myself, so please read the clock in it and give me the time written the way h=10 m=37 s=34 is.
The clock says h=7 m=33 s=29
